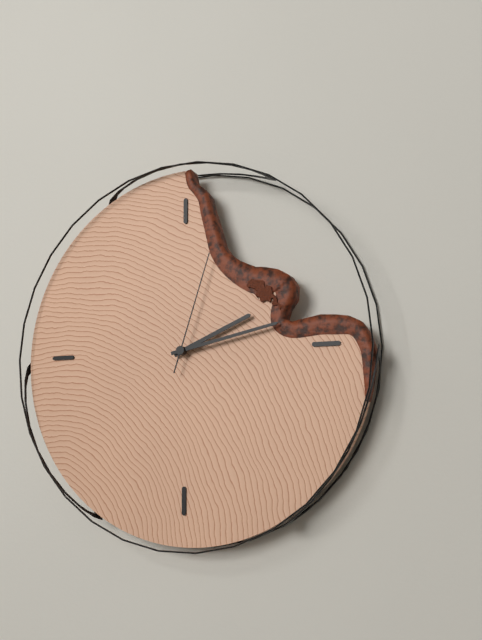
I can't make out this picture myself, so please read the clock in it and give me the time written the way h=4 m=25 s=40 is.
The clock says h=2 m=13 s=3
